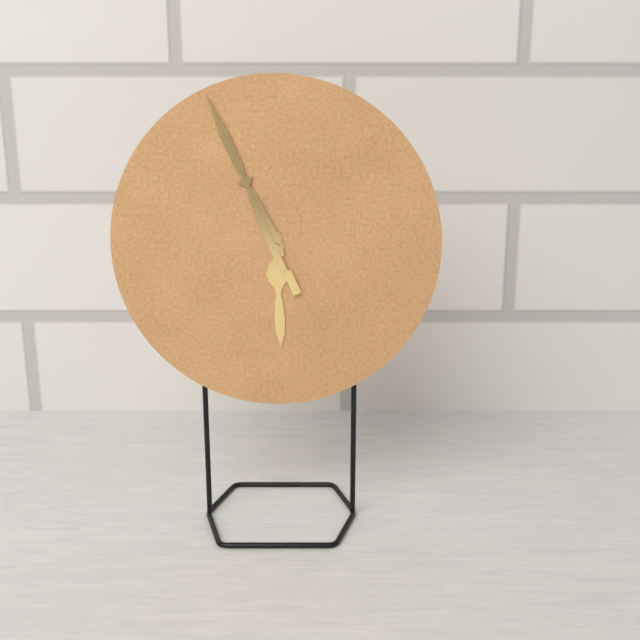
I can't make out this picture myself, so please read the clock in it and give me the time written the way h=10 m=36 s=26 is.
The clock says h=5 m=56 s=56
